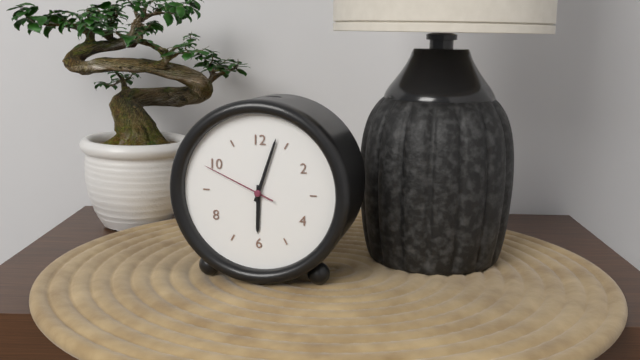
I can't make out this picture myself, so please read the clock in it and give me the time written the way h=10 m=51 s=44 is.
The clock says h=6 m=3 s=49
